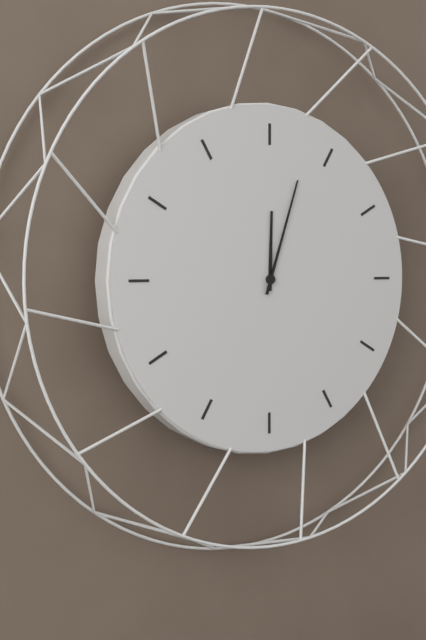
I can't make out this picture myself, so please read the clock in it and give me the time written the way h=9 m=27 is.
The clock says h=12 m=3
